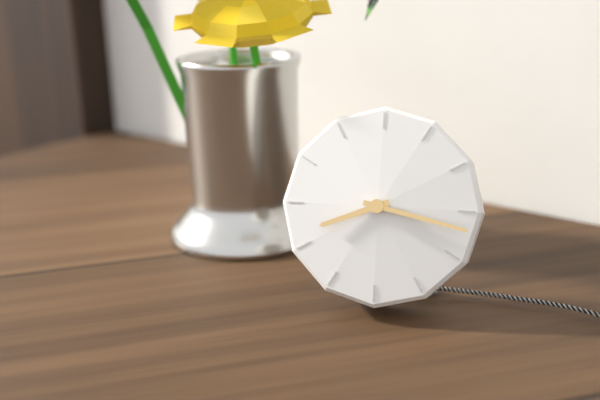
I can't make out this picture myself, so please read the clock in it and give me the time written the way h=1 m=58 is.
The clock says h=8 m=17
